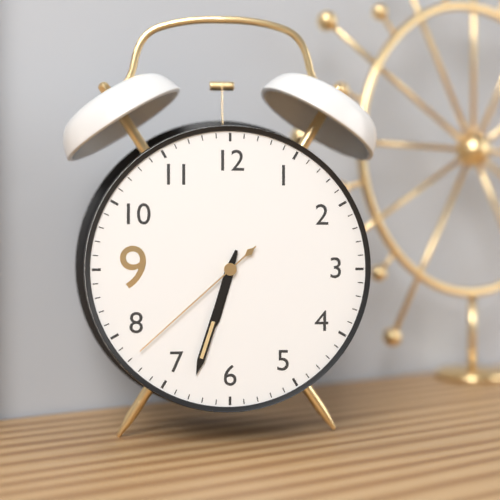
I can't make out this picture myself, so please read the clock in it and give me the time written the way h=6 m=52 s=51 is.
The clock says h=6 m=33 s=38
